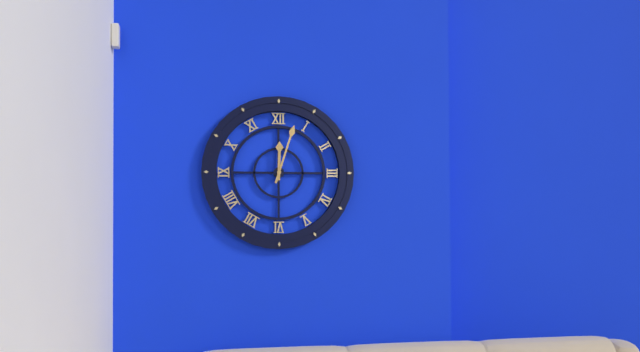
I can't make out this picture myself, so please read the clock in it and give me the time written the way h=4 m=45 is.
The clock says h=12 m=3
